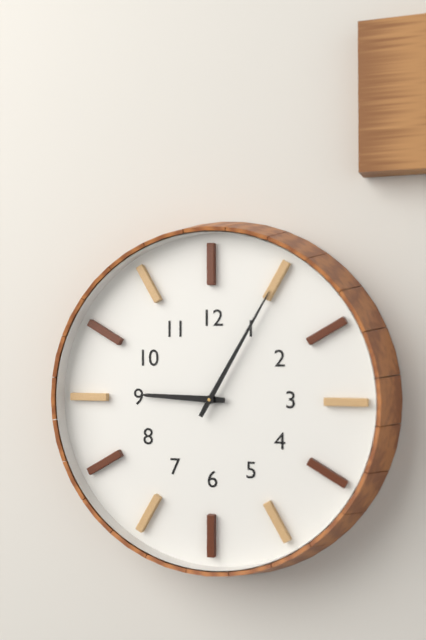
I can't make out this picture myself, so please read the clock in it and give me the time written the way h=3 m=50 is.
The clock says h=9 m=5
